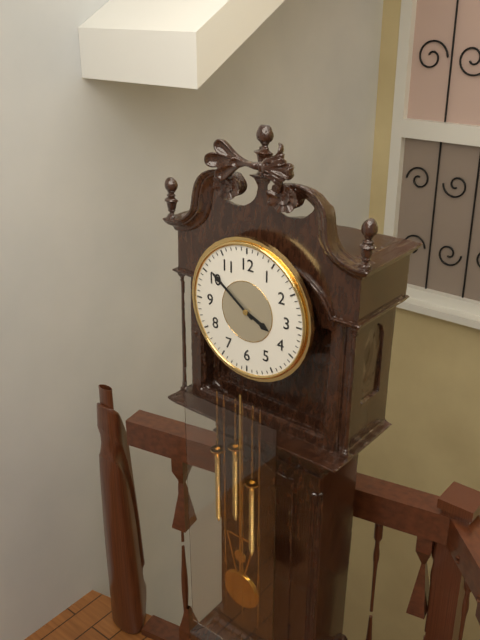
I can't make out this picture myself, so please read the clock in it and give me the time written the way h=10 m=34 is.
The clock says h=3 m=51
